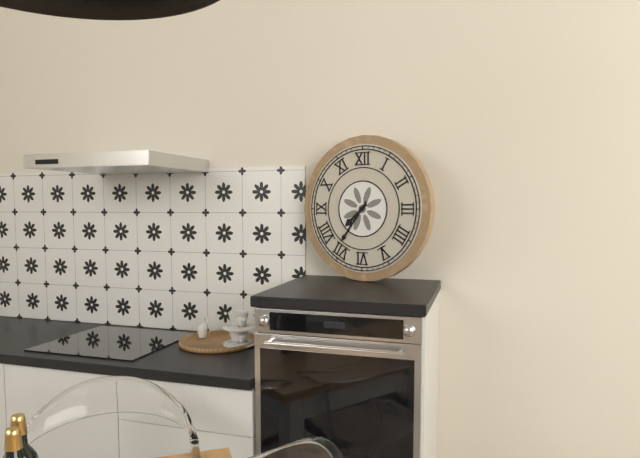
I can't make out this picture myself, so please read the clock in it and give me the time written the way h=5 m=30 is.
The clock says h=7 m=36
